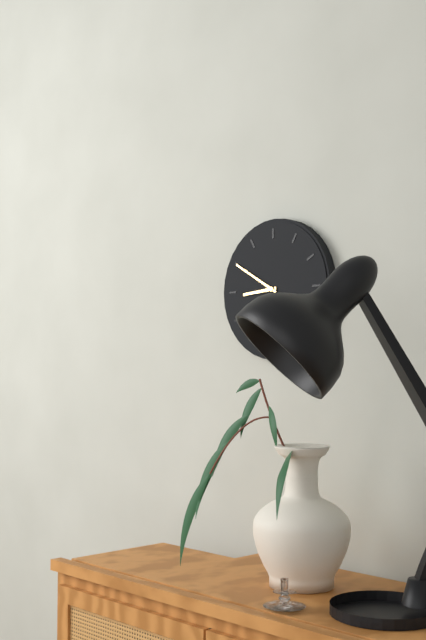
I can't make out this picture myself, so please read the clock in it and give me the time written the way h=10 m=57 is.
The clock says h=8 m=50
